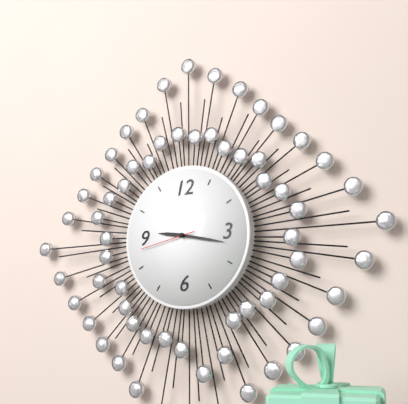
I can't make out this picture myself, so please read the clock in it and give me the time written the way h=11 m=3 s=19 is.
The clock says h=9 m=17 s=43
